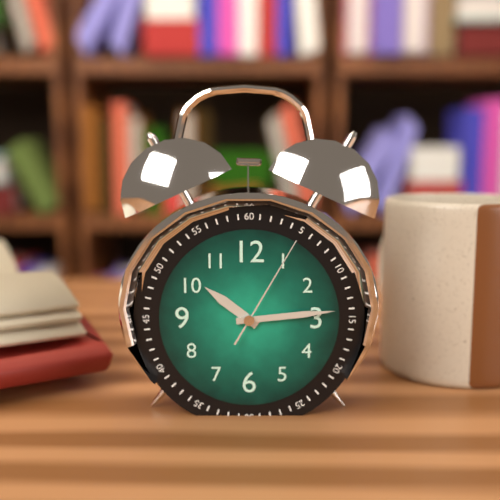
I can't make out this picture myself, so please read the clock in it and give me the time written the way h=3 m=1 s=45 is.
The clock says h=10 m=14 s=5
